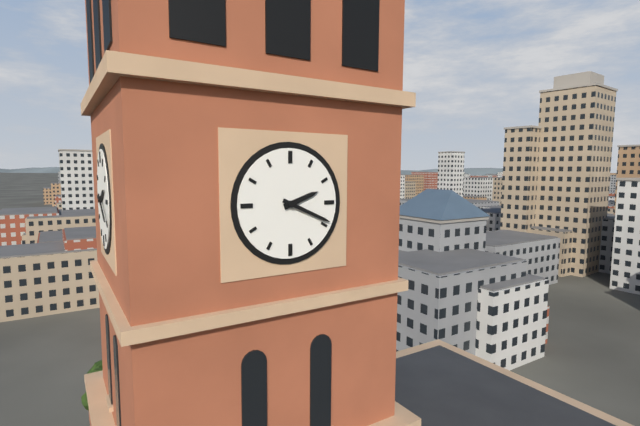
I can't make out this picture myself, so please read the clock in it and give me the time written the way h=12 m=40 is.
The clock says h=2 m=19
